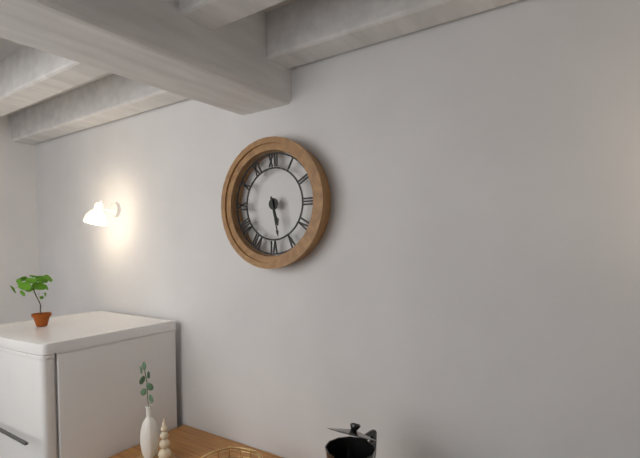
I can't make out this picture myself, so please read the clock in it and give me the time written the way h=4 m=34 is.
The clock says h=5 m=28
